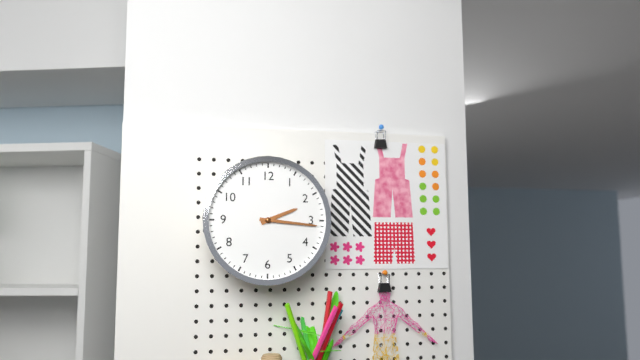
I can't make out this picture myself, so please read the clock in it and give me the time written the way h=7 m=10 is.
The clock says h=2 m=16
